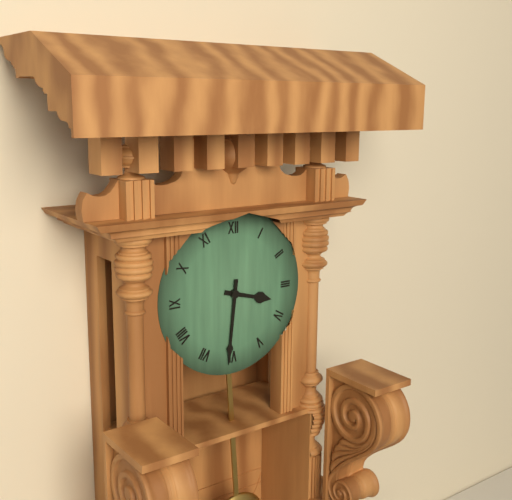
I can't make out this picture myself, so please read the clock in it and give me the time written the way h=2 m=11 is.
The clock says h=3 m=31
